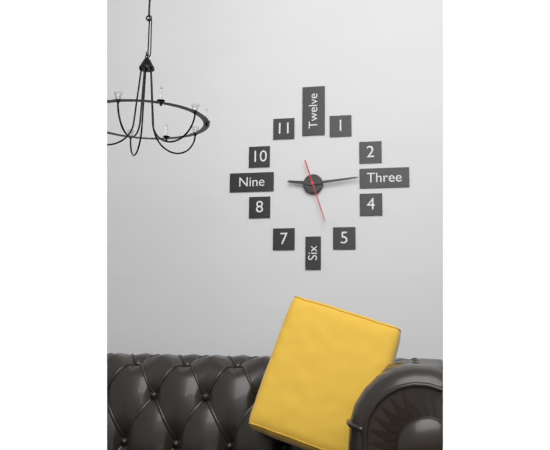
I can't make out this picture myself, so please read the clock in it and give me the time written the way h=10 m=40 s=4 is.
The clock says h=9 m=14 s=27
